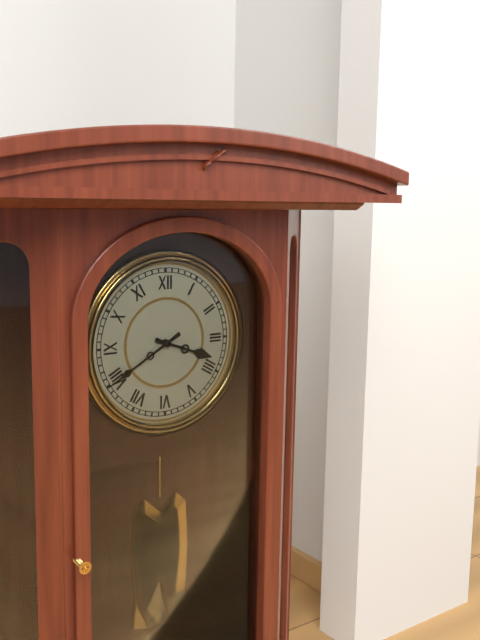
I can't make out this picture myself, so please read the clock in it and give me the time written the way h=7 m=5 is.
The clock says h=3 m=40
